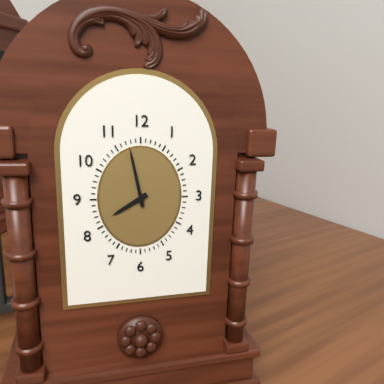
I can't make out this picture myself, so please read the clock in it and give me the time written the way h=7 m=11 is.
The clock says h=7 m=58
